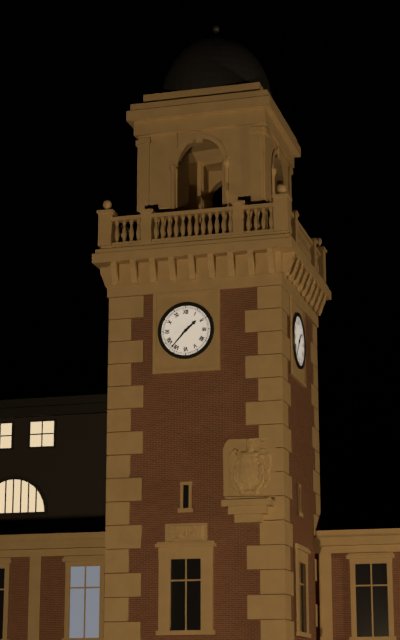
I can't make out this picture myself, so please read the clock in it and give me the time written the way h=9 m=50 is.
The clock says h=1 m=37
